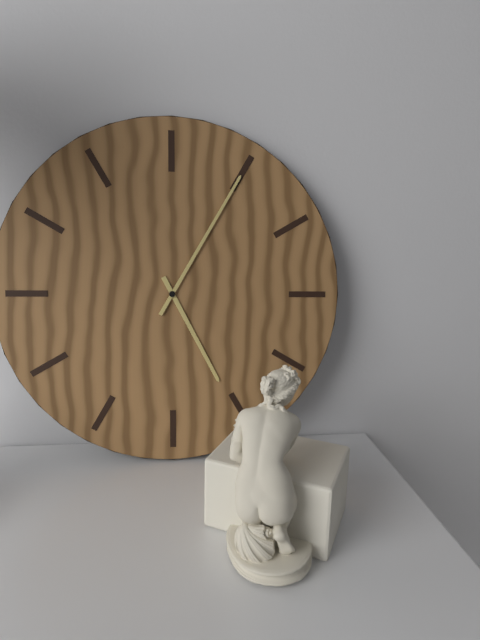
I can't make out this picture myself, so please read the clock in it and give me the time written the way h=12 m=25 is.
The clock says h=5 m=5
